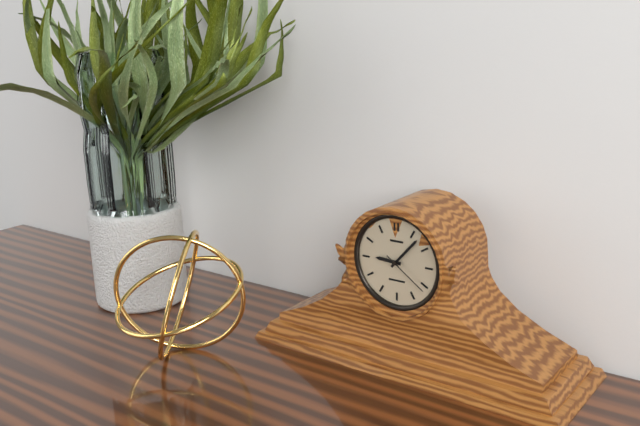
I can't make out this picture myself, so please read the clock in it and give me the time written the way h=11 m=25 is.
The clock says h=9 m=7
